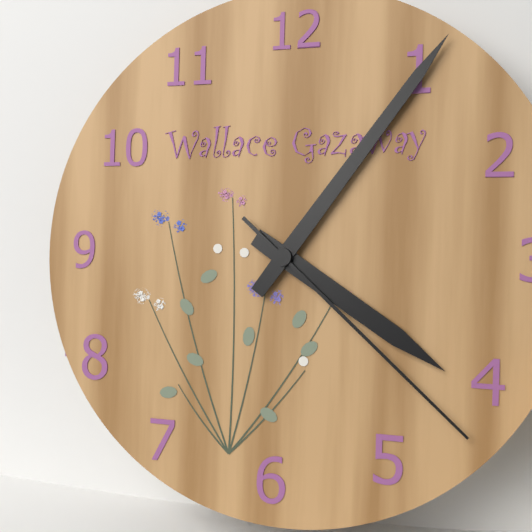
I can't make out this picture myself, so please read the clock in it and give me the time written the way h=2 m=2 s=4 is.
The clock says h=4 m=6 s=22
